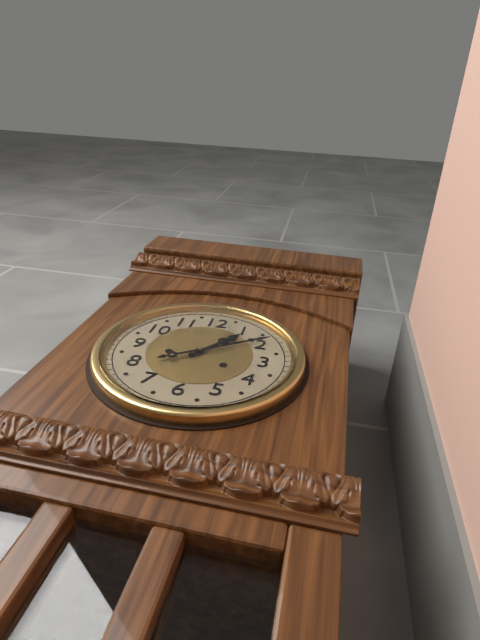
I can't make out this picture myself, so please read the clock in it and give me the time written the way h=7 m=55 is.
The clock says h=1 m=9
